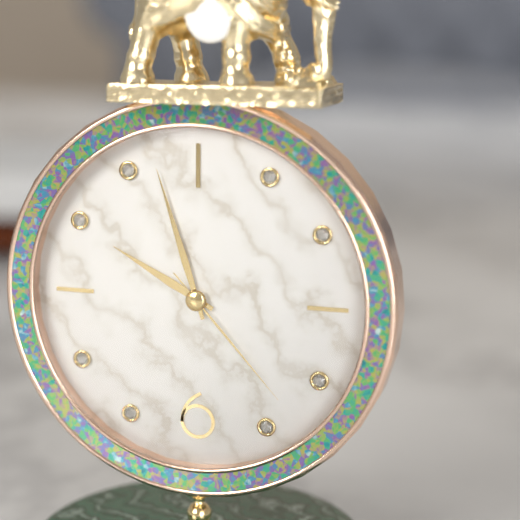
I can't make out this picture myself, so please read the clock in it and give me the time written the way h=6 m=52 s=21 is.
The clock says h=9 m=57 s=23
